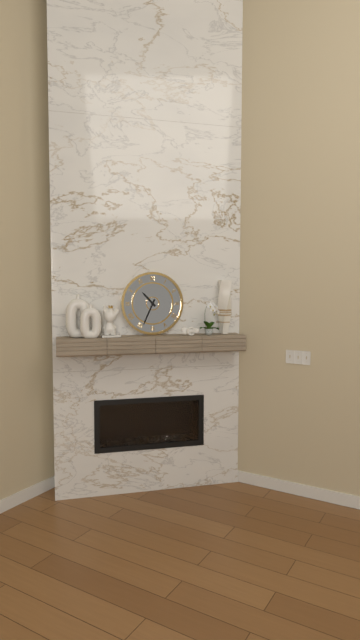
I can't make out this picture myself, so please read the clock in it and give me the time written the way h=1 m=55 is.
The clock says h=10 m=34
